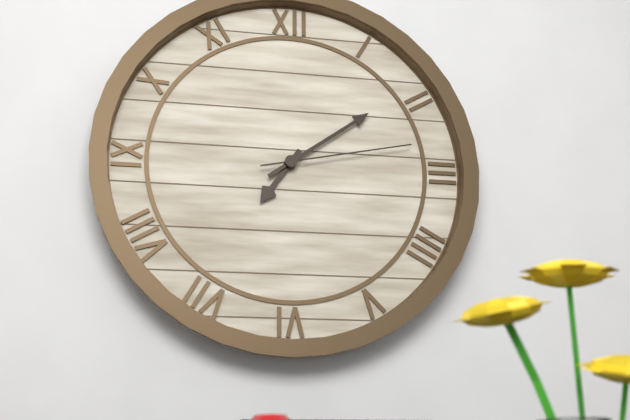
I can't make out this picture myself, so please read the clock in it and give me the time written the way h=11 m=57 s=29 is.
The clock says h=7 m=9 s=13
